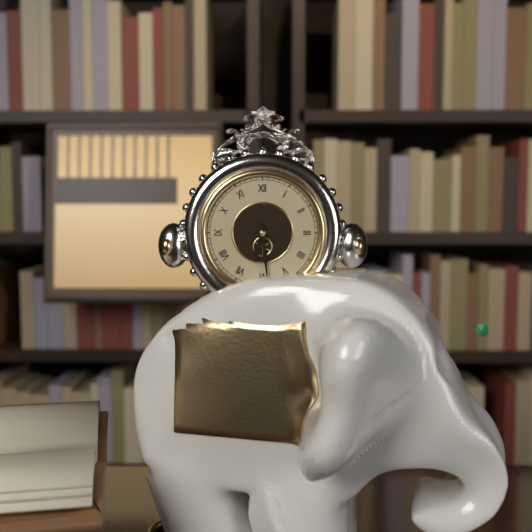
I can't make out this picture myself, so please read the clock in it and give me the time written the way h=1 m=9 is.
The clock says h=6 m=29
